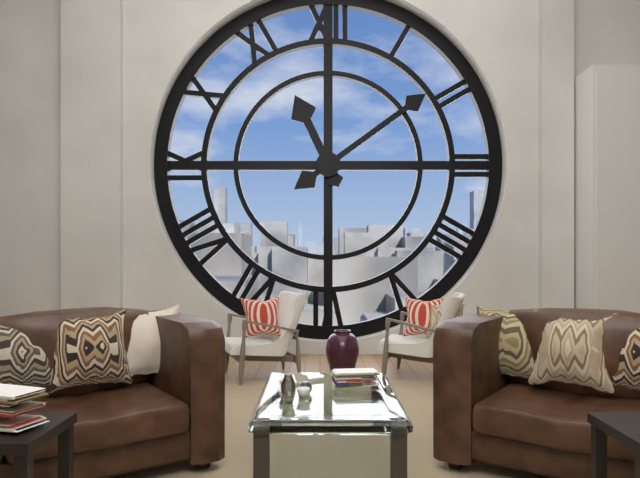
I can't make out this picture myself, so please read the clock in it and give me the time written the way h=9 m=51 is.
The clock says h=11 m=9
